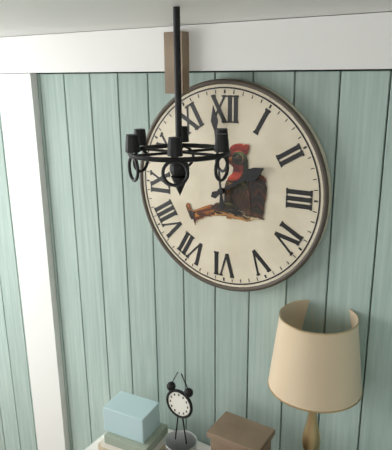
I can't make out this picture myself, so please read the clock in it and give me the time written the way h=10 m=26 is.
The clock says h=1 m=59
